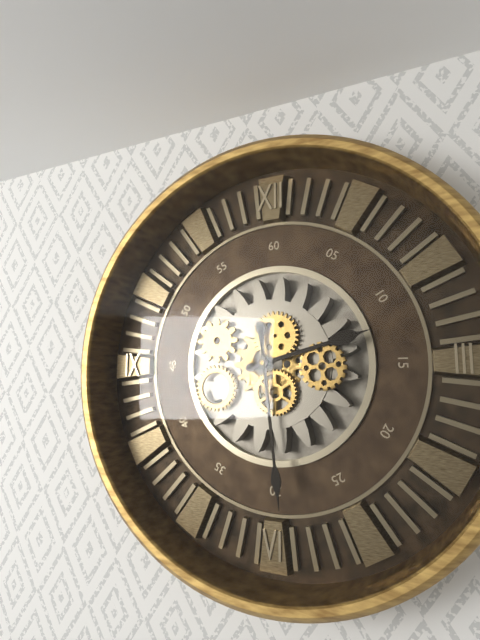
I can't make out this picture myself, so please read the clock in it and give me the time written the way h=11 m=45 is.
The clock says h=2 m=29
